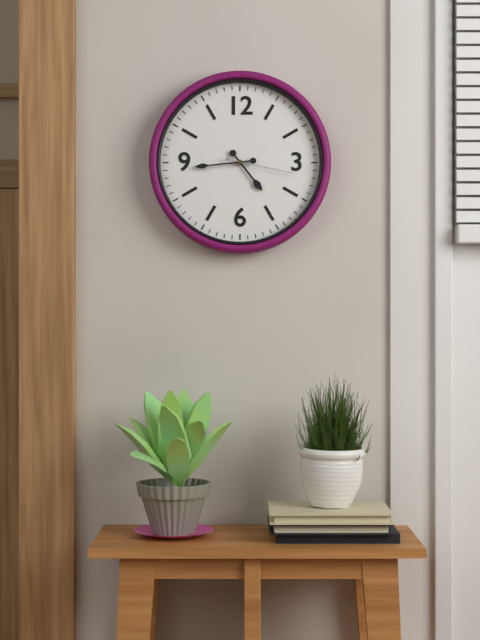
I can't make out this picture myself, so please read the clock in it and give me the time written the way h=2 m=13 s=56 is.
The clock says h=4 m=44 s=17
